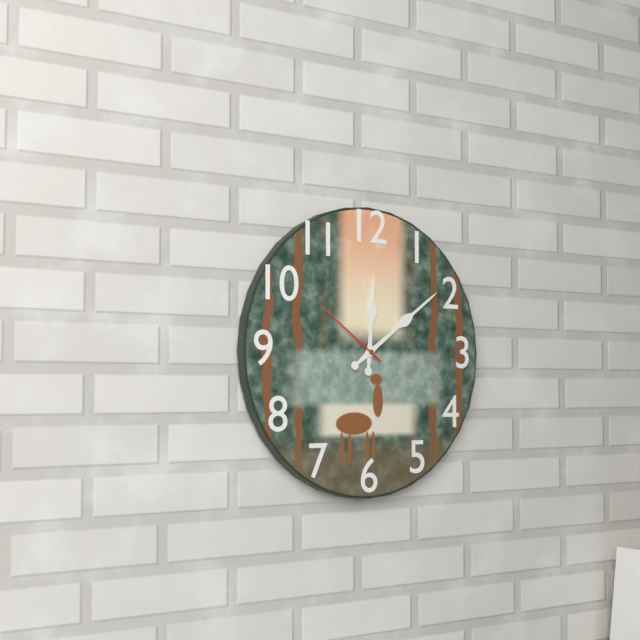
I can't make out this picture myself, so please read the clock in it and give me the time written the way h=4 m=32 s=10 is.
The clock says h=12 m=9 s=51
